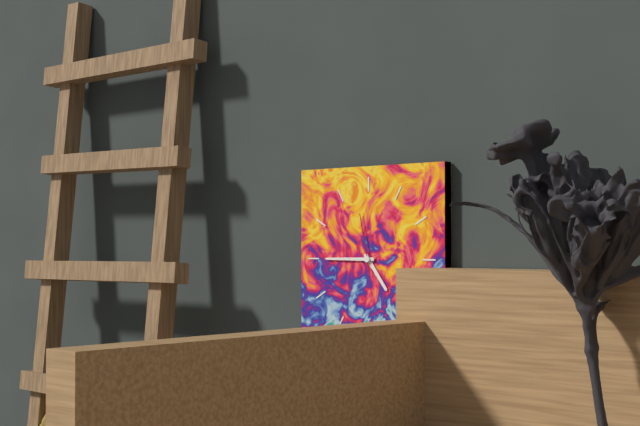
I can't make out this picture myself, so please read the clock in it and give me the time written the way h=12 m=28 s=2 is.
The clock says h=4 m=45 s=58
